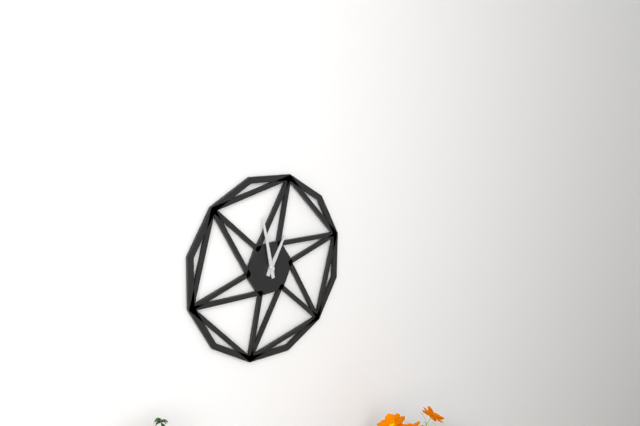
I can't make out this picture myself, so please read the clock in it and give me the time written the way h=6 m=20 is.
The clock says h=12 m=58
